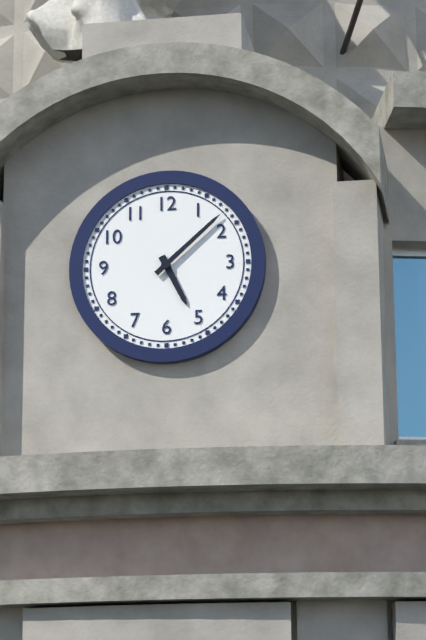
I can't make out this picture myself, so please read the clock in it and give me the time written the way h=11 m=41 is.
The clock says h=5 m=8
